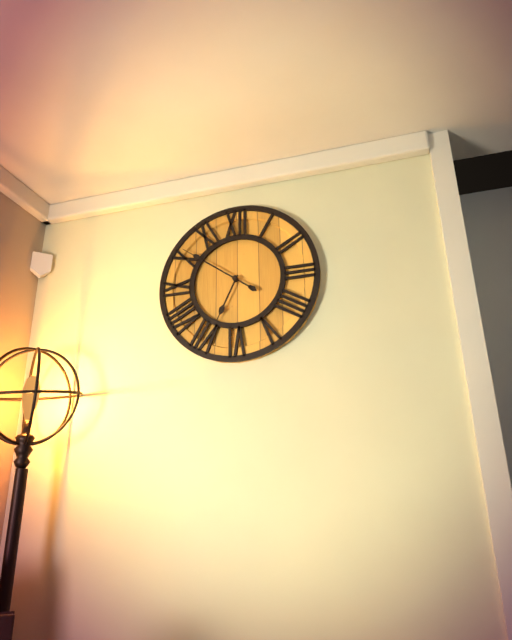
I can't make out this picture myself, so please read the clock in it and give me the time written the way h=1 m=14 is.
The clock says h=6 m=51
